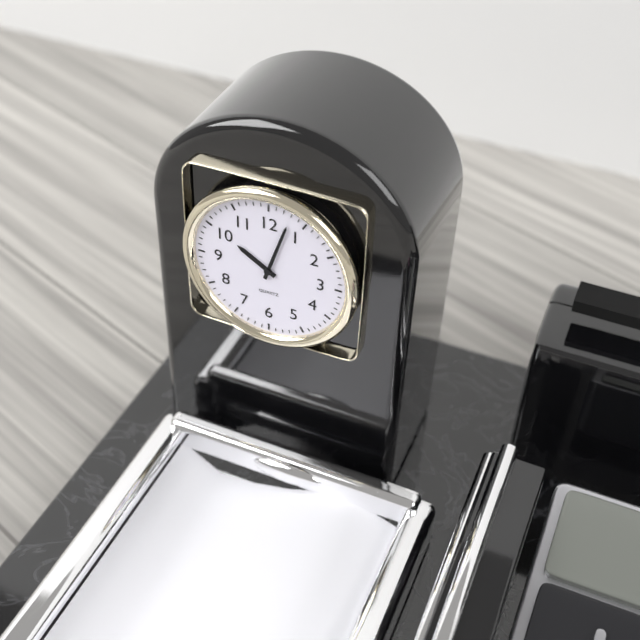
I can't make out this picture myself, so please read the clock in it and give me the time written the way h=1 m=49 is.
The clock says h=10 m=3
